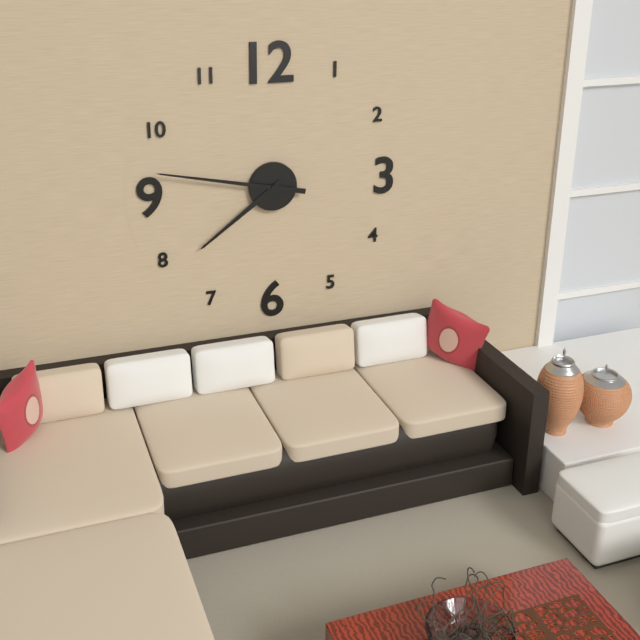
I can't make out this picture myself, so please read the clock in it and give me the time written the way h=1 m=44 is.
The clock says h=7 m=47
